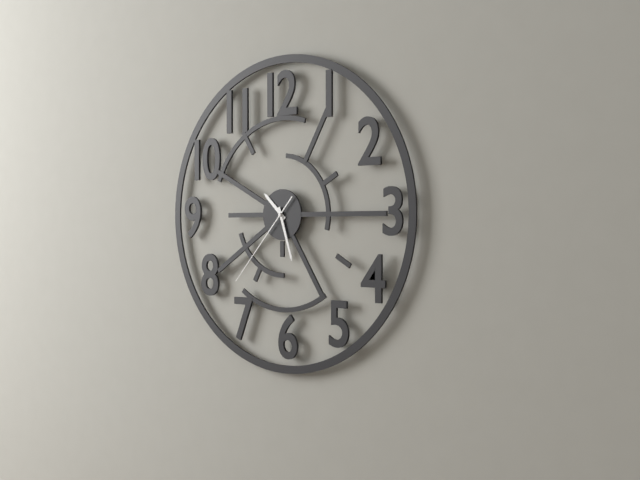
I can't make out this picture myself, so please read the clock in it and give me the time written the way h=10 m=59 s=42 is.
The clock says h=10 m=27 s=37
